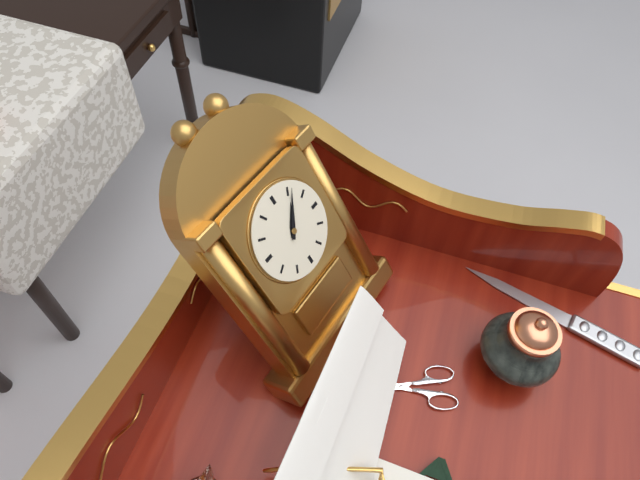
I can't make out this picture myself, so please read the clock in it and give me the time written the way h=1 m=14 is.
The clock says h=1 m=6
